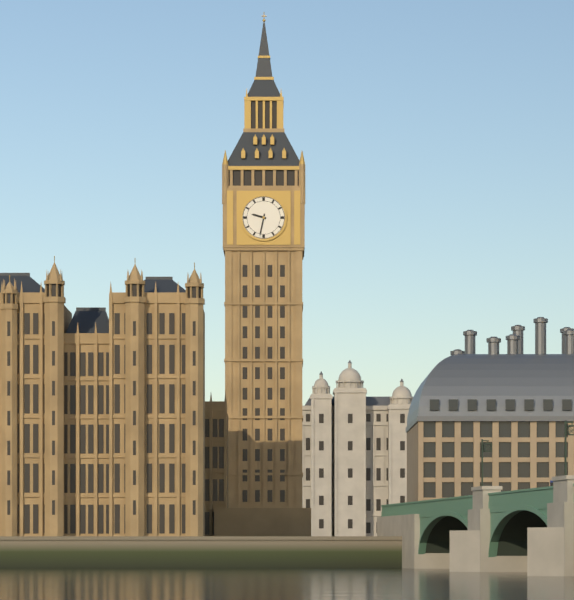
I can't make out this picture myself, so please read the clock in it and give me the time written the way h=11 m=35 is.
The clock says h=9 m=32
